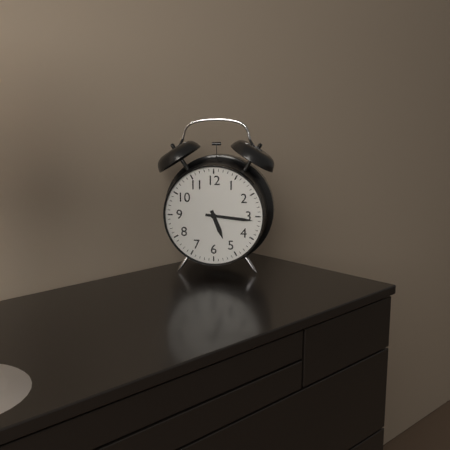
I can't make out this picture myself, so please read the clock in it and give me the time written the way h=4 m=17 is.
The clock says h=5 m=16
